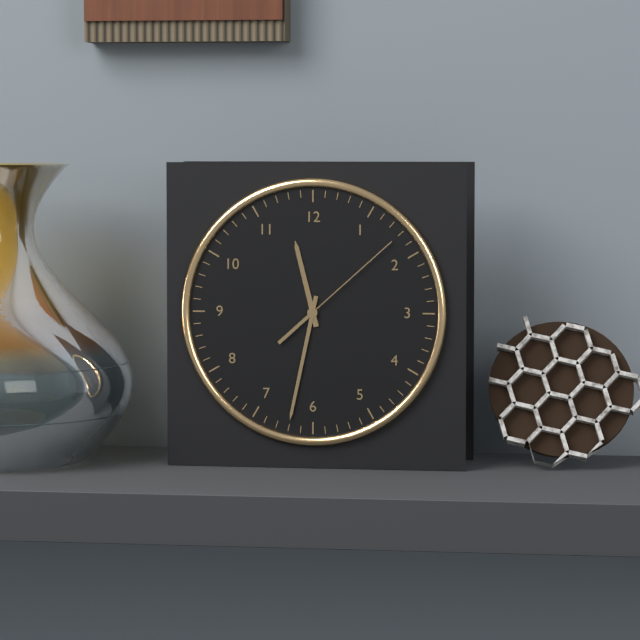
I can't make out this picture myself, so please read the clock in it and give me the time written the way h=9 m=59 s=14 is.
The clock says h=11 m=32 s=8
